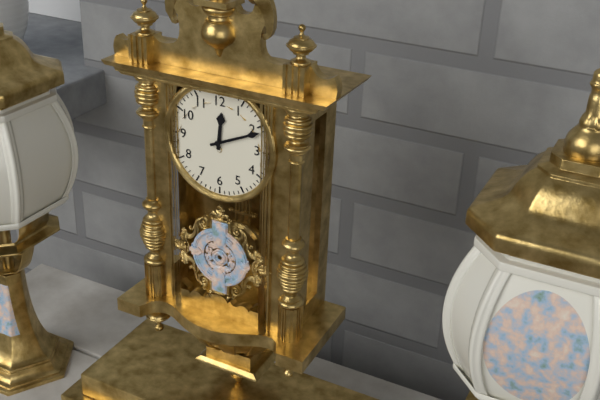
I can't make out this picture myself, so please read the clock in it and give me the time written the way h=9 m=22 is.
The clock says h=12 m=11
